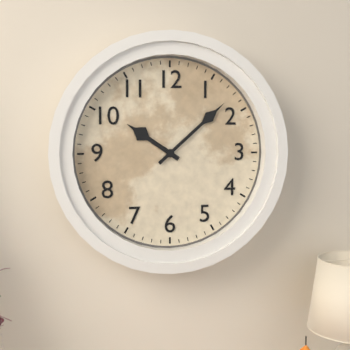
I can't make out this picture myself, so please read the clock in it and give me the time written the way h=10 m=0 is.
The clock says h=10 m=8
